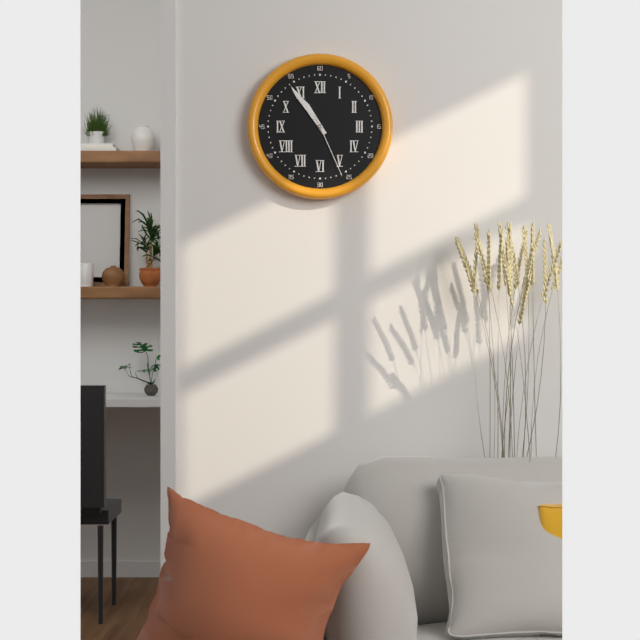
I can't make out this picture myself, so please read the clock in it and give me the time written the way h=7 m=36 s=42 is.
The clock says h=10 m=54 s=26
